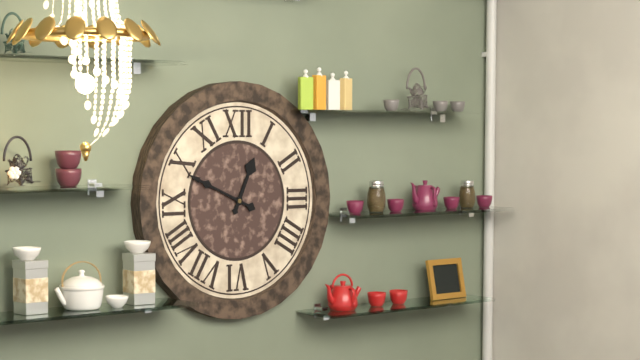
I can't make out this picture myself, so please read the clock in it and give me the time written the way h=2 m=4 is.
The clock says h=12 m=49
